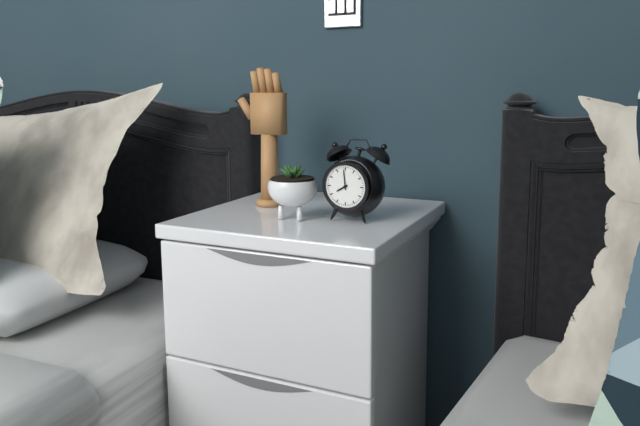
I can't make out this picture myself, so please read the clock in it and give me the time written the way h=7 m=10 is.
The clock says h=7 m=59
